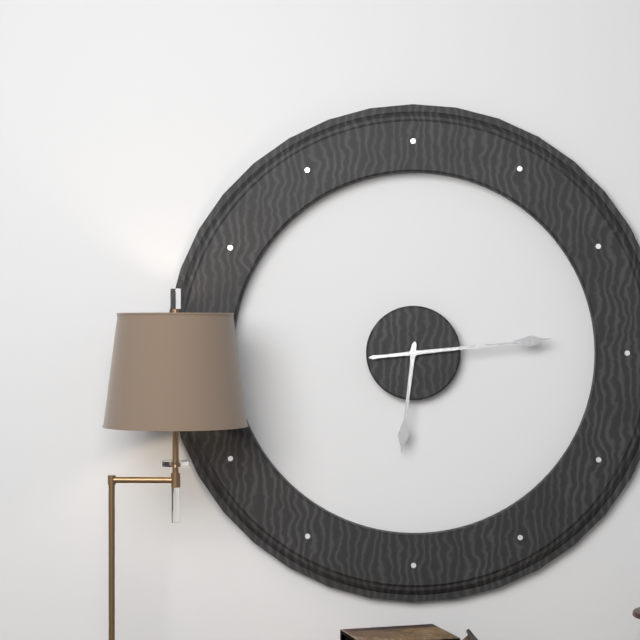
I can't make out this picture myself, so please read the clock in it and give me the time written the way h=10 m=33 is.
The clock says h=6 m=14
